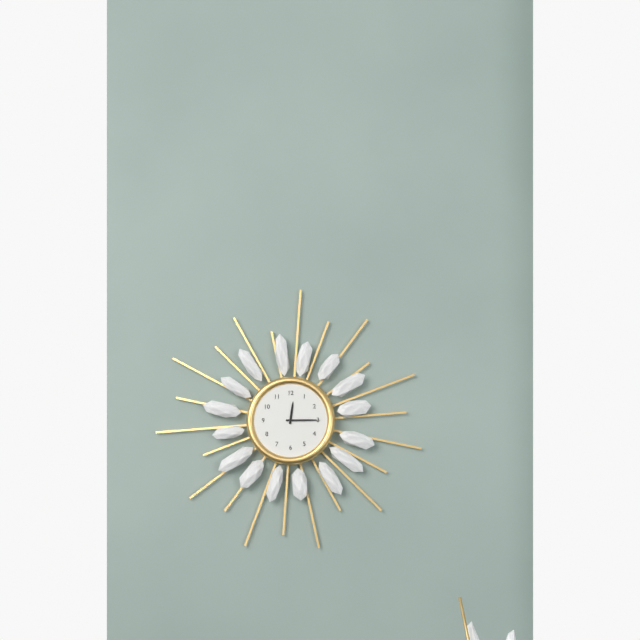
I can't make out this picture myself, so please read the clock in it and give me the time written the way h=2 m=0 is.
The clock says h=12 m=15
